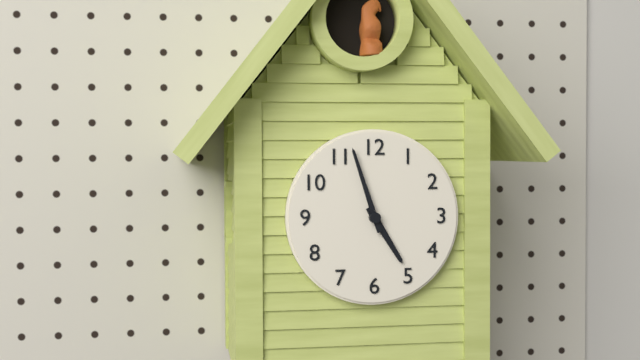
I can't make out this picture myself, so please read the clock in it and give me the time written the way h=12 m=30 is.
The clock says h=4 m=57
